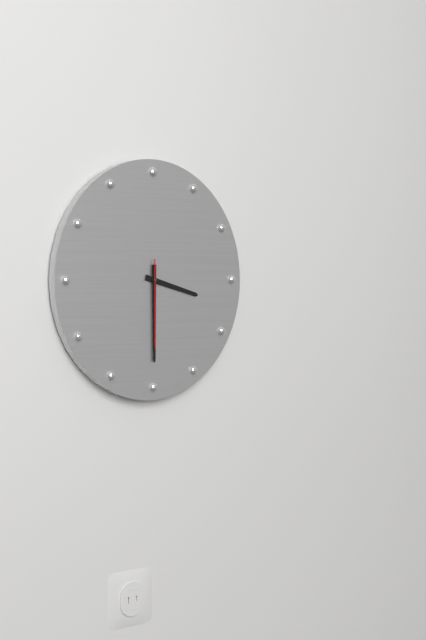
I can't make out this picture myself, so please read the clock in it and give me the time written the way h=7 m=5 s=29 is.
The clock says h=3 m=30 s=30
